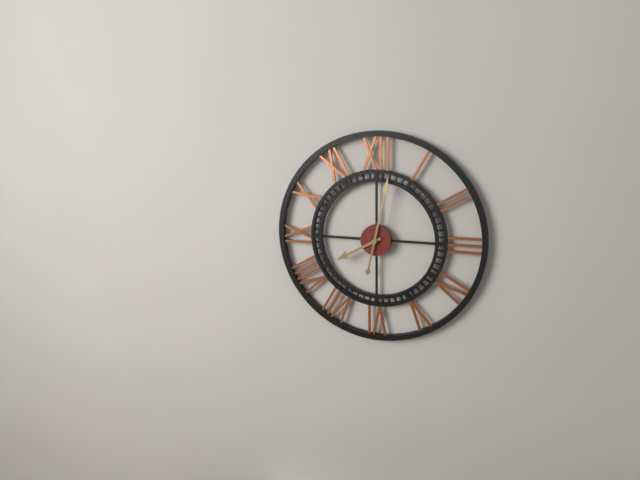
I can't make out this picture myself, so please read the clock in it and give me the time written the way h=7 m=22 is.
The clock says h=8 m=2
